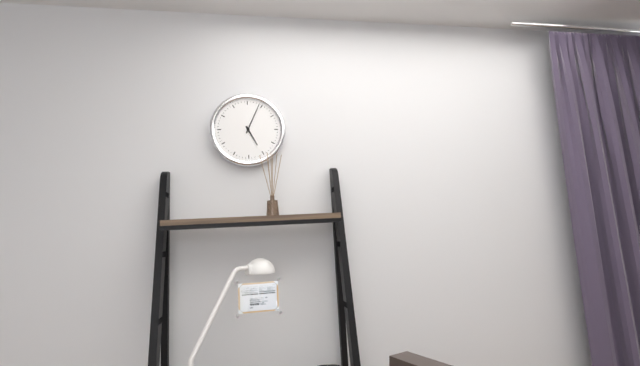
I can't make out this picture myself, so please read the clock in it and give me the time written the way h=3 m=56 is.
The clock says h=5 m=4
